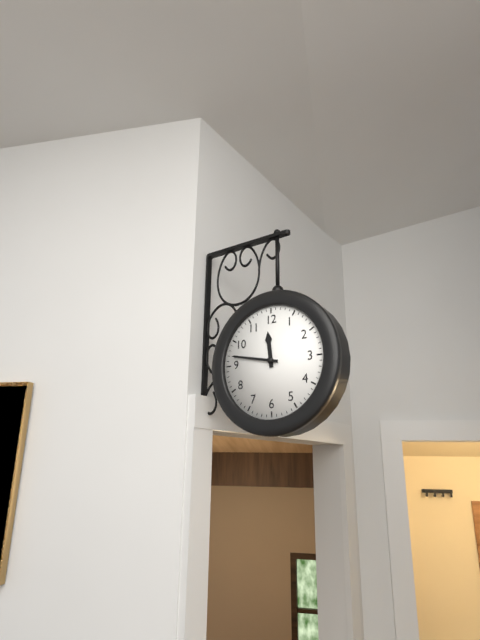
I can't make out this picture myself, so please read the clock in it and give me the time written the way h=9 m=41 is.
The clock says h=11 m=47
